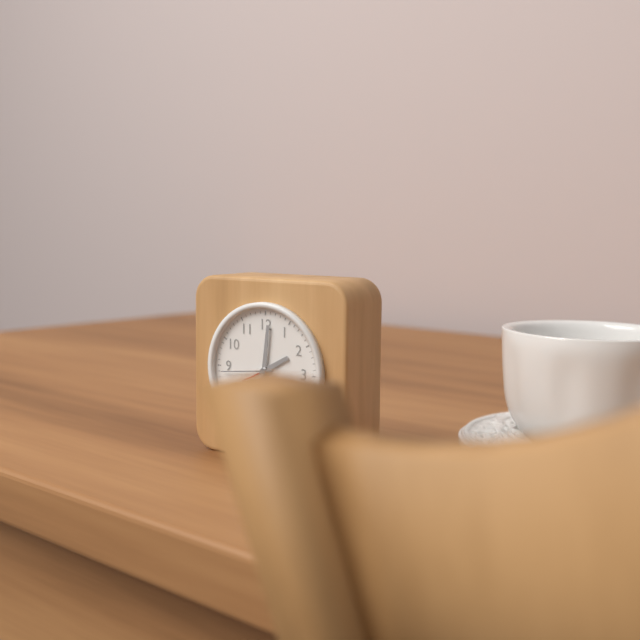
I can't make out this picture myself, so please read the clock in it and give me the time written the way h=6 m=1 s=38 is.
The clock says h=2 m=1 s=44
